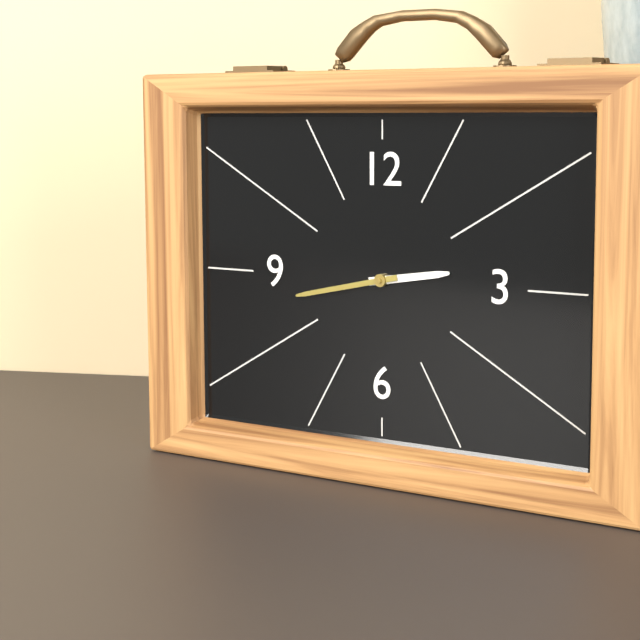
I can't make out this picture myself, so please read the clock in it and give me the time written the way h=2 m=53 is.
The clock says h=2 m=43
